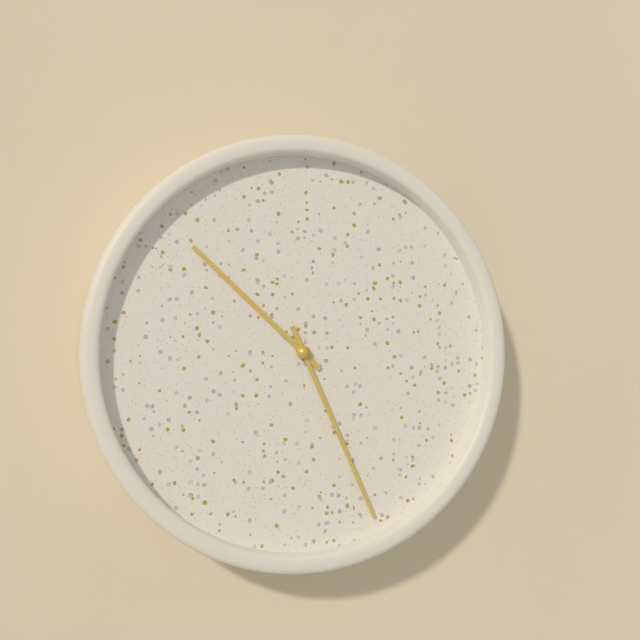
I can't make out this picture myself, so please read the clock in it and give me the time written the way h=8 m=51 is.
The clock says h=10 m=26
